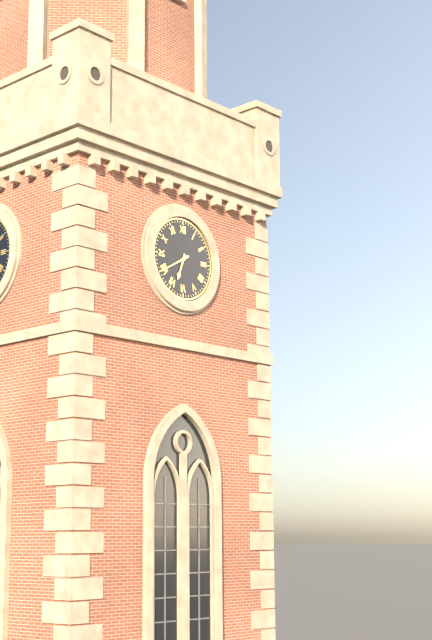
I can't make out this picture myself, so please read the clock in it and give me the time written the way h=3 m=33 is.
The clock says h=6 m=40
